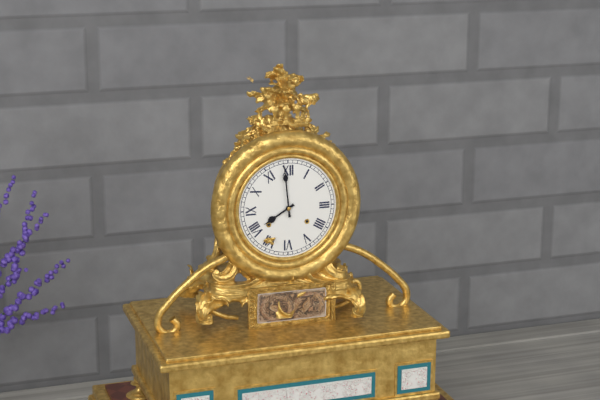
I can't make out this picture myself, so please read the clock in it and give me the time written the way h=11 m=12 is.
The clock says h=7 m=59
